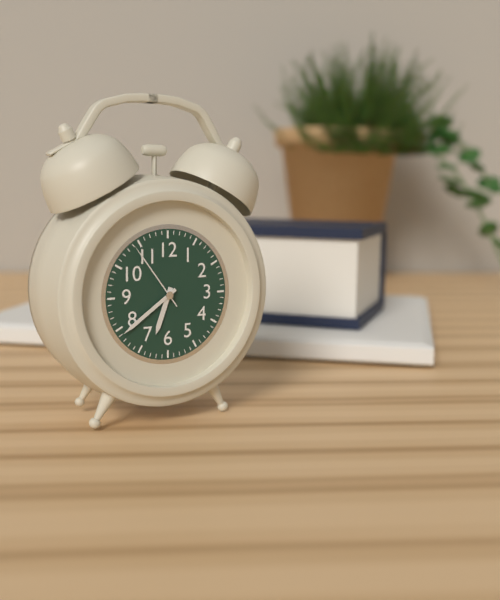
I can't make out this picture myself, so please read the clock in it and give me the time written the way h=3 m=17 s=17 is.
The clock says h=6 m=39 s=54
